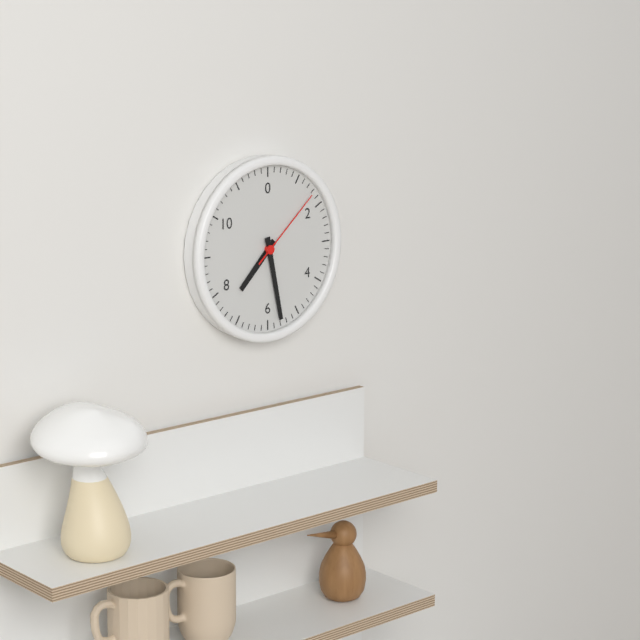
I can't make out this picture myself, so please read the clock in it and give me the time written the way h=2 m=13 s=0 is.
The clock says h=7 m=28 s=8
